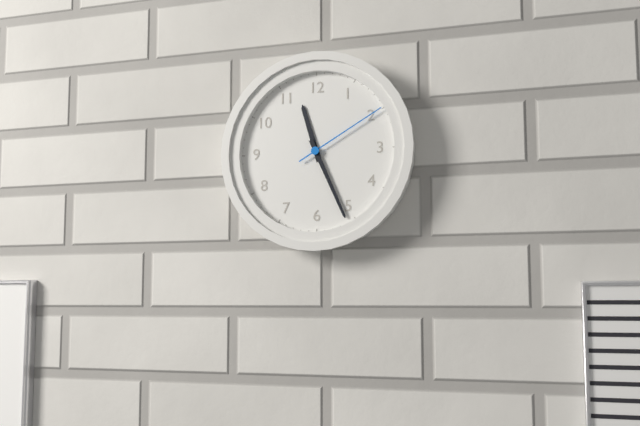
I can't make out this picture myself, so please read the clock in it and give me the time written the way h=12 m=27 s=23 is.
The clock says h=11 m=26 s=10
